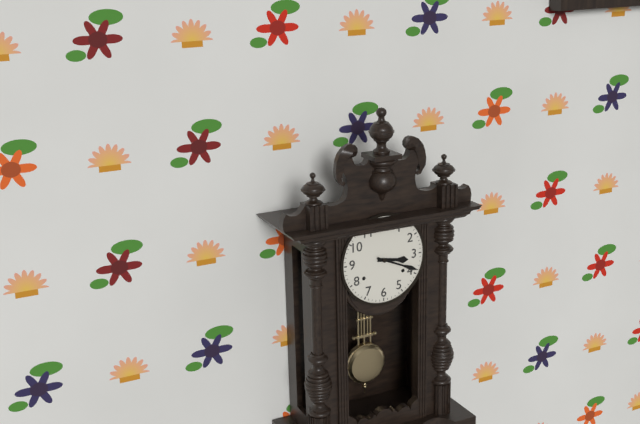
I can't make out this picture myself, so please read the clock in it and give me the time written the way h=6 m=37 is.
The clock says h=3 m=19
